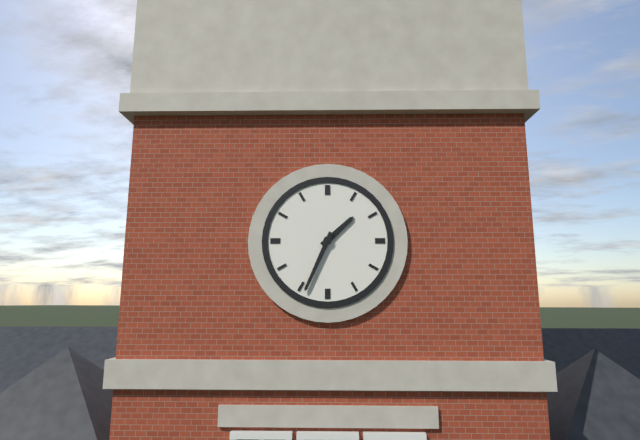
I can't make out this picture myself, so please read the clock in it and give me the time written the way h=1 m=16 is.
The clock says h=1 m=34
